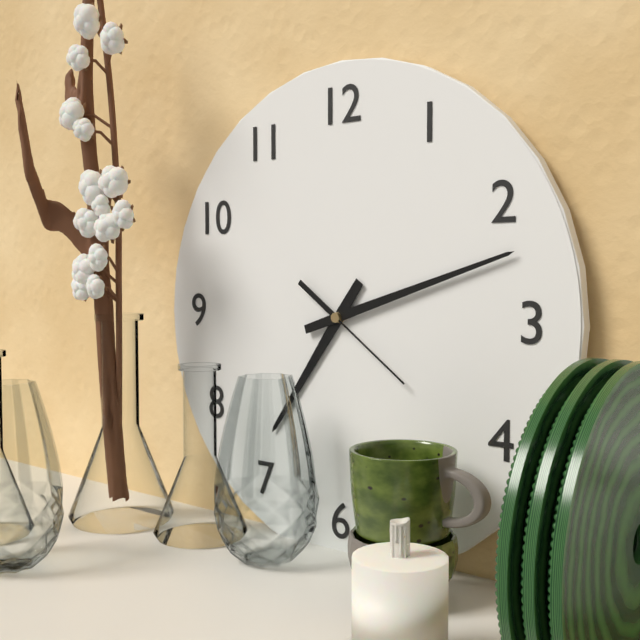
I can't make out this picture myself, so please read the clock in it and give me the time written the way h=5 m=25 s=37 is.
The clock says h=7 m=12 s=21
